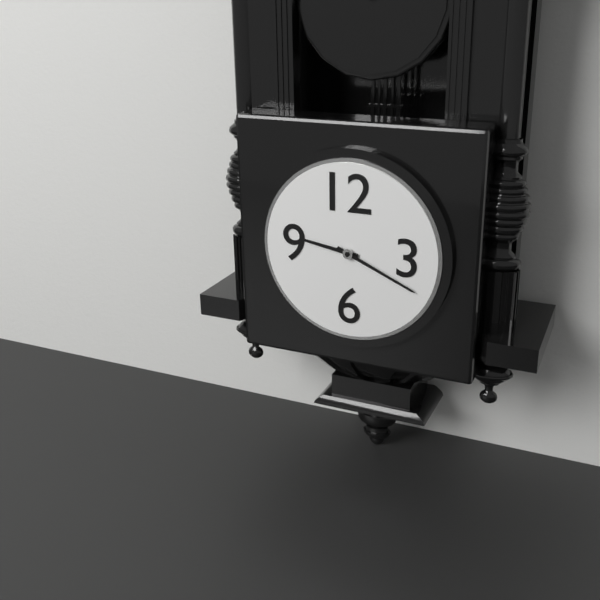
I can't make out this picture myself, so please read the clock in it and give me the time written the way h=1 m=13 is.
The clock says h=9 m=19
